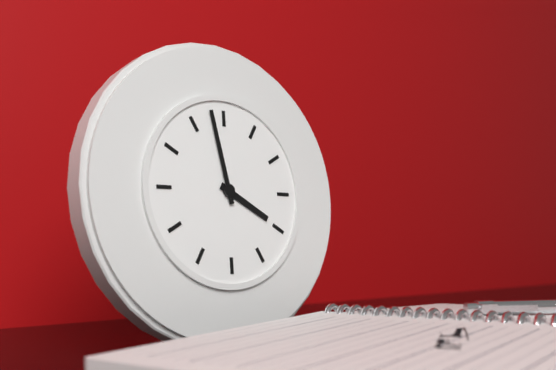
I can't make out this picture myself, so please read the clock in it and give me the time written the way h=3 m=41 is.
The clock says h=3 m=58
